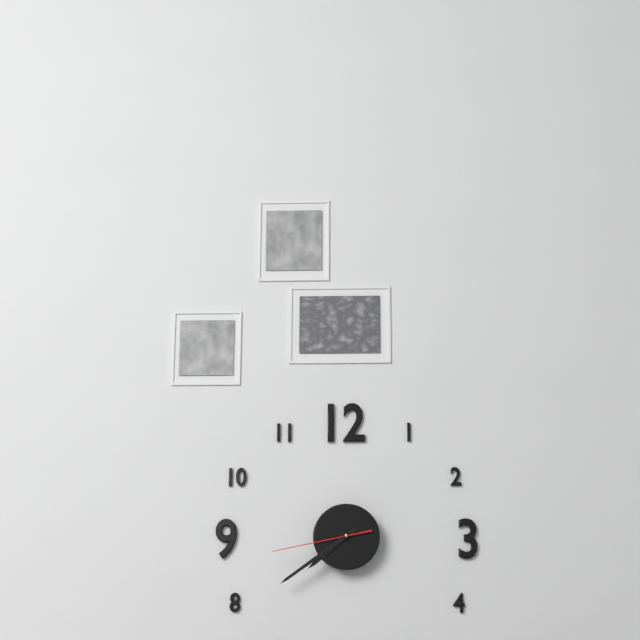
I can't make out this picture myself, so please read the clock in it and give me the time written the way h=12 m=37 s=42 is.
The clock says h=7 m=39 s=43
